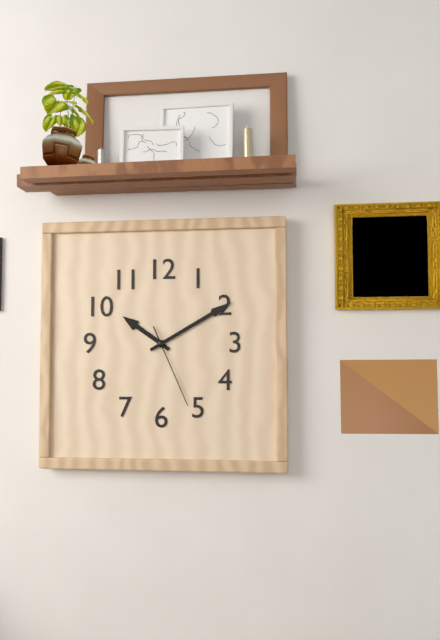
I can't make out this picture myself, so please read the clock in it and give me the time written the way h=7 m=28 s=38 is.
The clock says h=10 m=10 s=26
